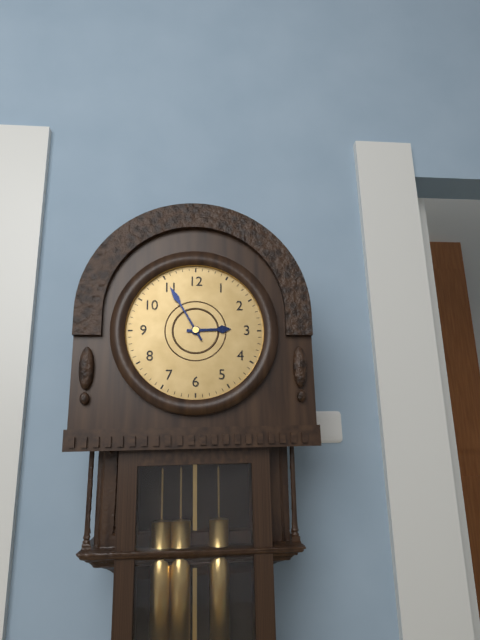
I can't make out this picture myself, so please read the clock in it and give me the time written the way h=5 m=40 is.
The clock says h=2 m=55
